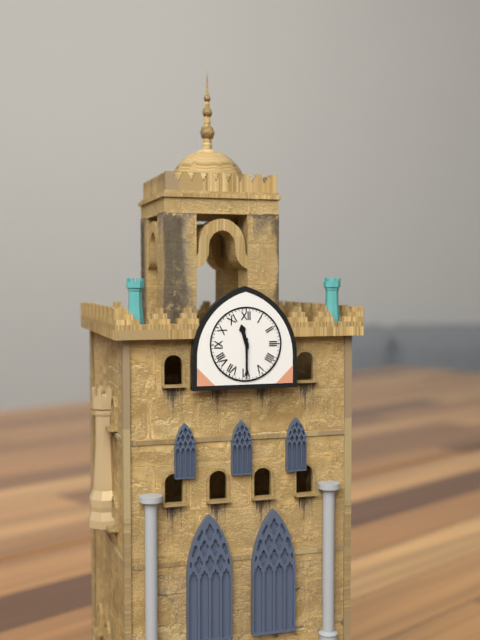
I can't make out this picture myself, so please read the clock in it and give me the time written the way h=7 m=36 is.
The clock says h=11 m=30
